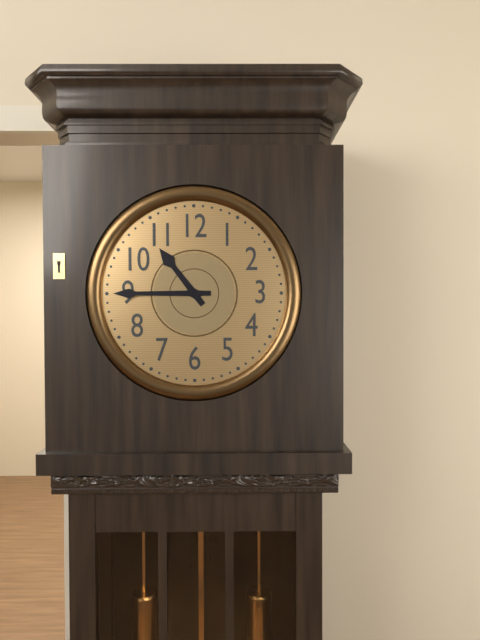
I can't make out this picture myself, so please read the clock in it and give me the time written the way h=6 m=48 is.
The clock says h=10 m=45
